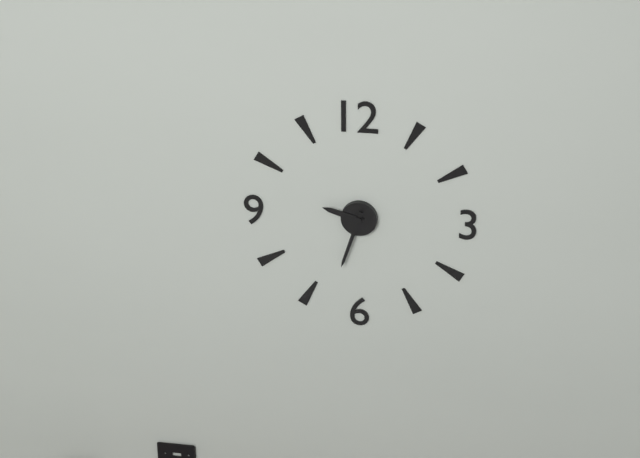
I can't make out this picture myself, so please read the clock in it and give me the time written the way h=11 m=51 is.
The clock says h=9 m=33
